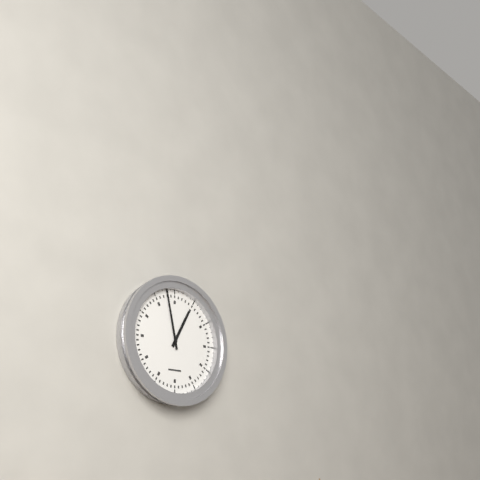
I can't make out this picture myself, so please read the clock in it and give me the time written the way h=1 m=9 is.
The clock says h=12 m=58
